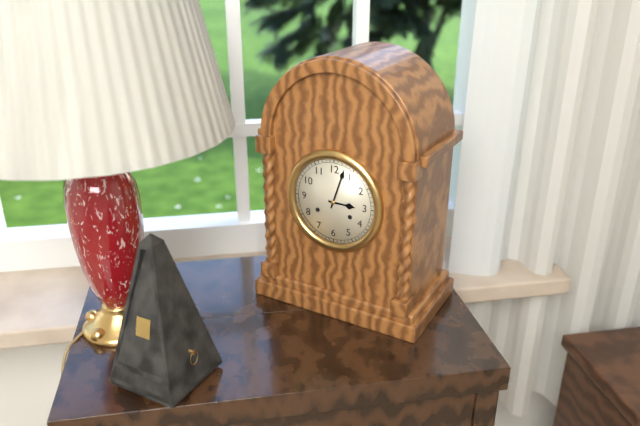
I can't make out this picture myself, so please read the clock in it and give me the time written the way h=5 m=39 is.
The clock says h=3 m=3
